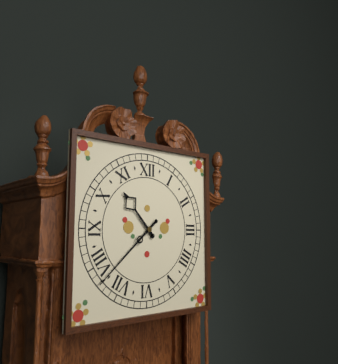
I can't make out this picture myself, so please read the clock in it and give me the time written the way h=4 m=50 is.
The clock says h=10 m=38
